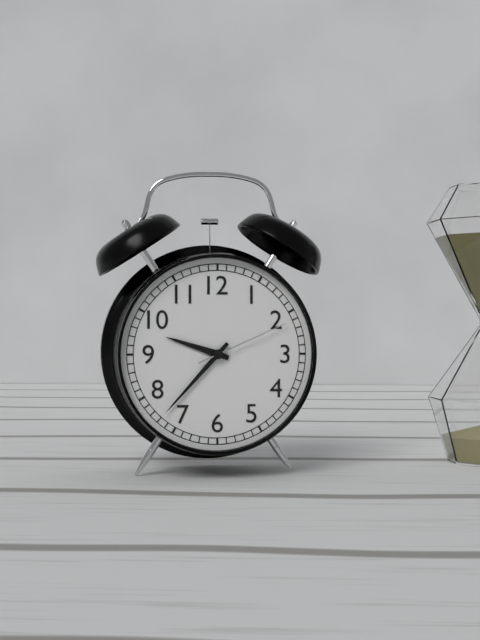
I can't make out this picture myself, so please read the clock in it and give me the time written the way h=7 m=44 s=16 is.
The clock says h=9 m=37 s=11
